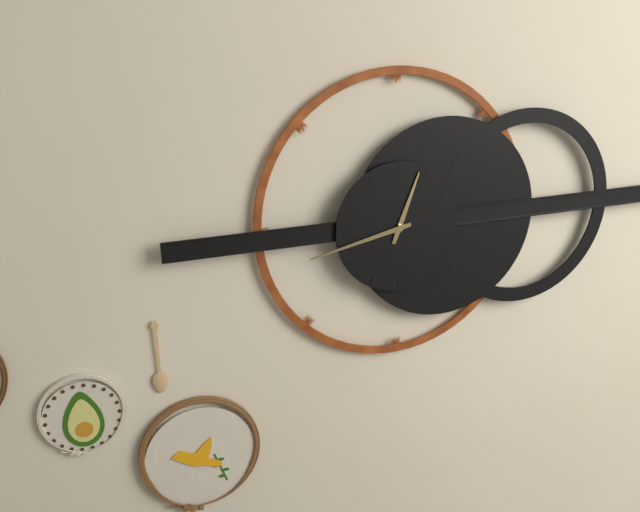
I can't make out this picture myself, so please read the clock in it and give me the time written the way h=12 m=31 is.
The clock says h=12 m=43
